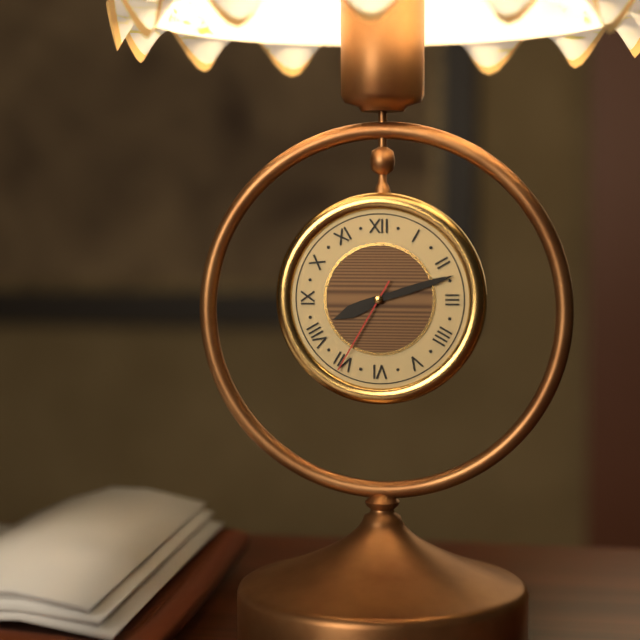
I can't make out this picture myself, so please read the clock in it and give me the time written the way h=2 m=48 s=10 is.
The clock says h=8 m=12 s=35
